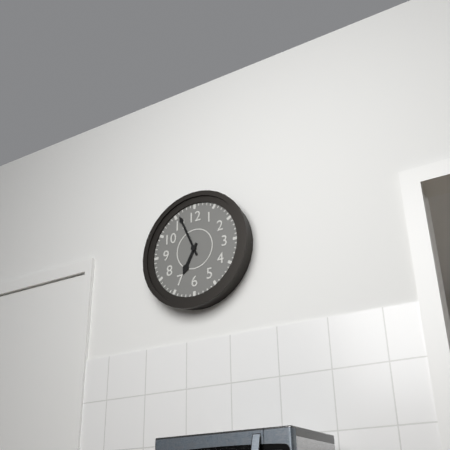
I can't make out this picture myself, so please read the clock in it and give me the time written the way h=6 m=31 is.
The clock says h=6 m=56
